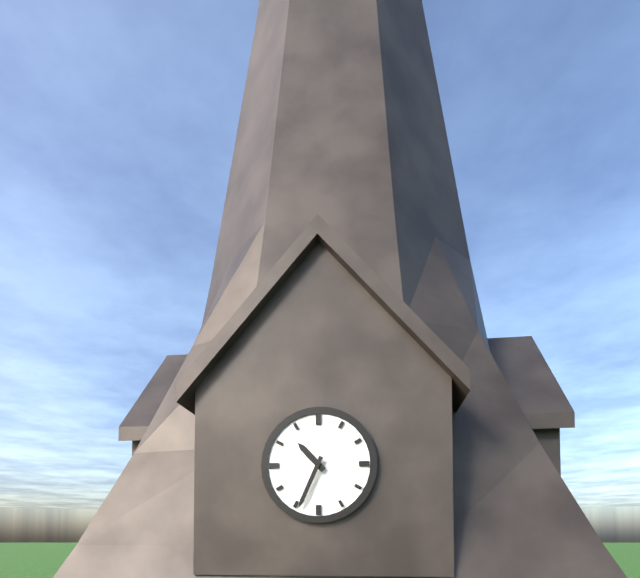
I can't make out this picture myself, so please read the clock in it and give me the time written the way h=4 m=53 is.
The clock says h=10 m=34
